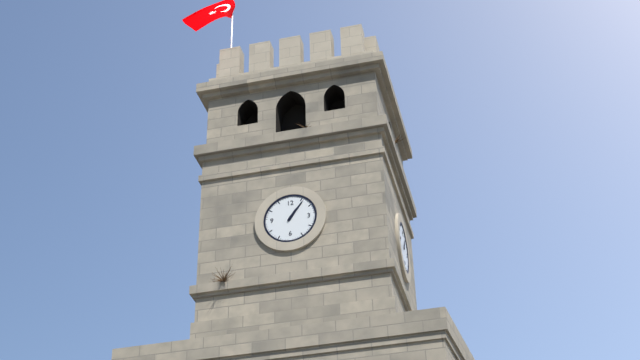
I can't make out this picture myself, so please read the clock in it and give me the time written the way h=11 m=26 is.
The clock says h=1 m=6
